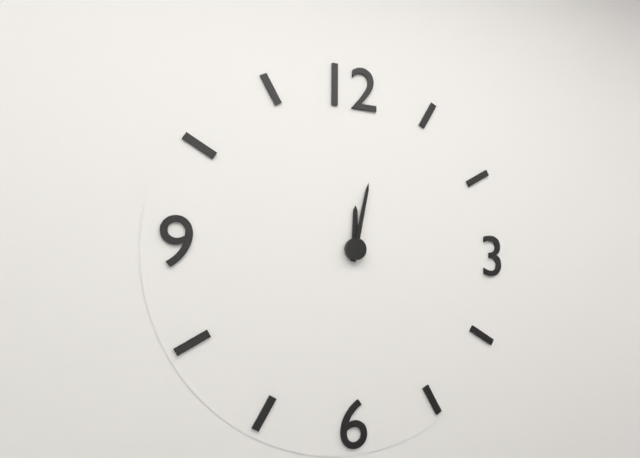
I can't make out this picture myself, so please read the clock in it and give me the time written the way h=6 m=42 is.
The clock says h=12 m=2
